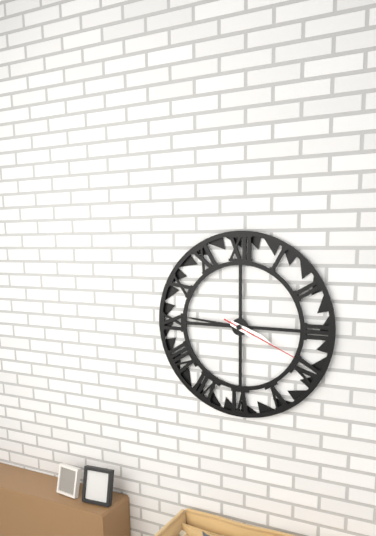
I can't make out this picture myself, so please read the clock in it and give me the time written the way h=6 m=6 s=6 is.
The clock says h=3 m=46 s=19
